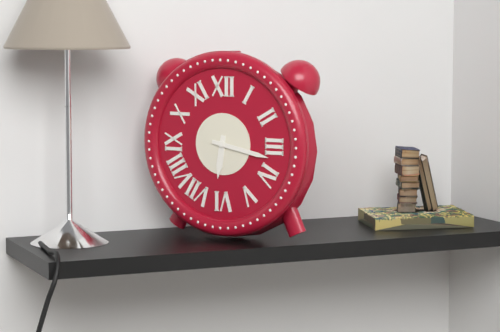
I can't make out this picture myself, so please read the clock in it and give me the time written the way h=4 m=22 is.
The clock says h=6 m=17
